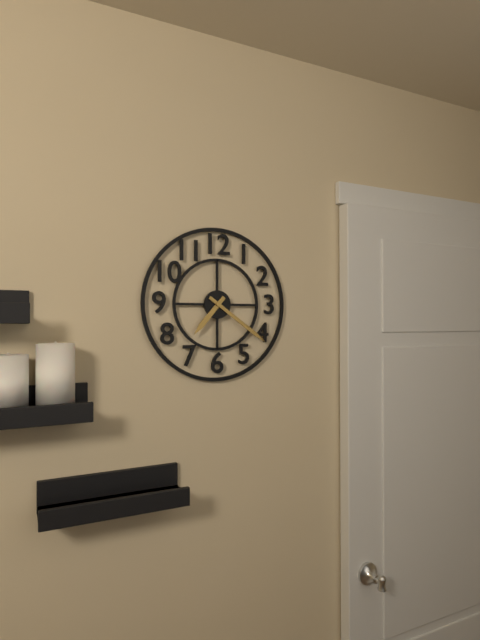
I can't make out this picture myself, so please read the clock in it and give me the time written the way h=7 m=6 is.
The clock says h=7 m=21
